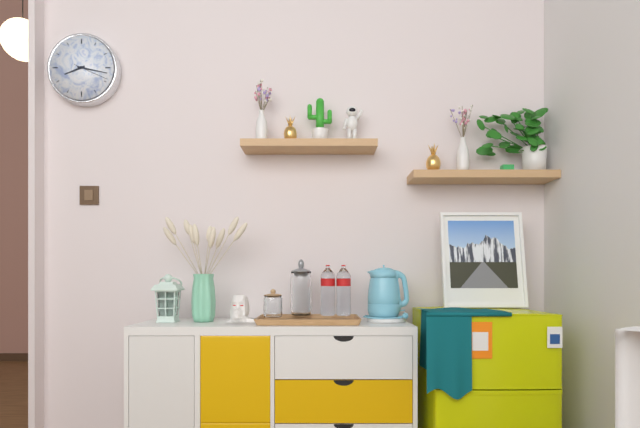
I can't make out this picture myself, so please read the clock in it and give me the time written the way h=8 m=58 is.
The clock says h=8 m=17
